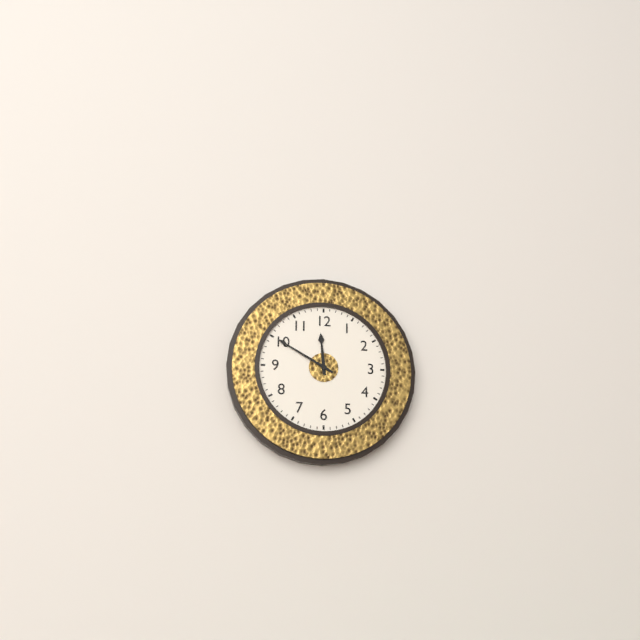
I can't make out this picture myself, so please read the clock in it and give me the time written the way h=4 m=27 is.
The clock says h=11 m=50
